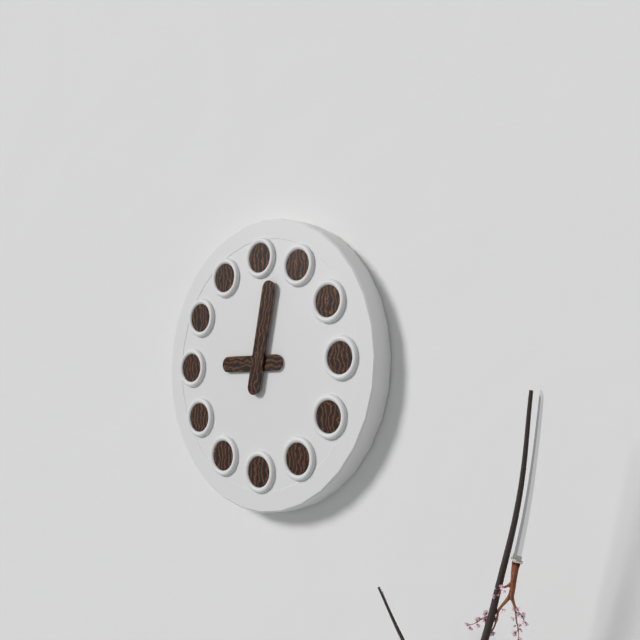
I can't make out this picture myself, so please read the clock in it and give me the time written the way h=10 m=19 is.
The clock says h=9 m=2
